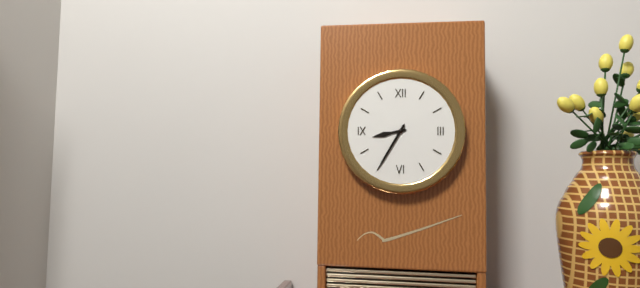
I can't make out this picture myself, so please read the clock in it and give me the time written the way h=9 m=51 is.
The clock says h=8 m=35
